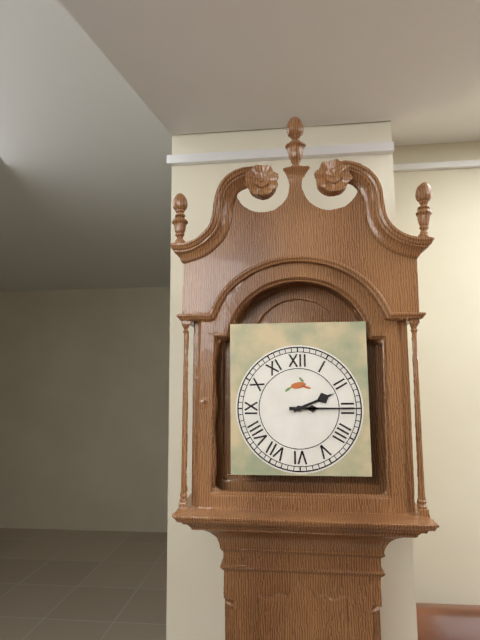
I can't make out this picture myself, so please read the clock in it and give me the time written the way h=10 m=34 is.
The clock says h=2 m=15
